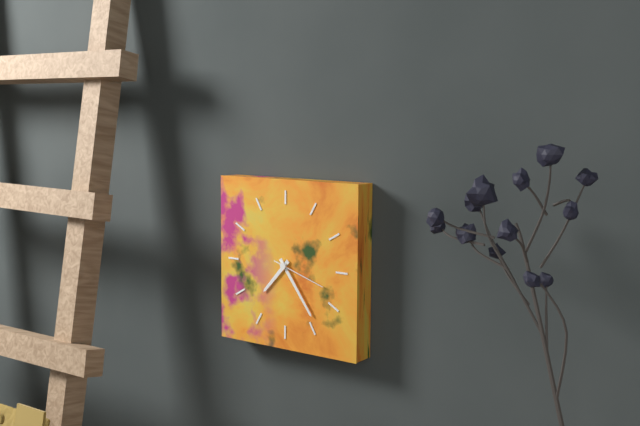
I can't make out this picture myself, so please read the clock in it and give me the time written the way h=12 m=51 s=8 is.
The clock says h=7 m=24 s=18
